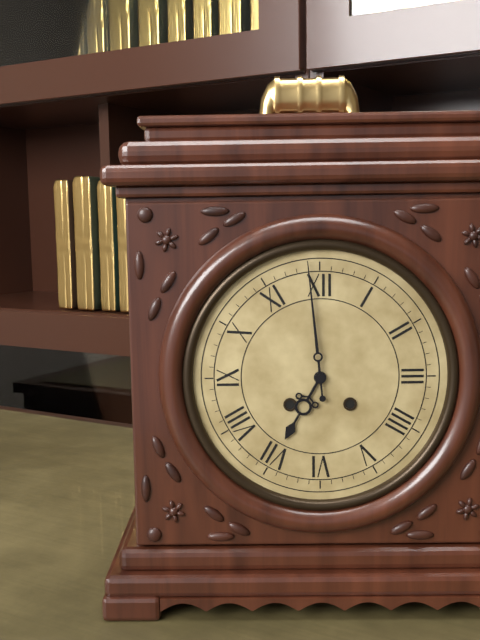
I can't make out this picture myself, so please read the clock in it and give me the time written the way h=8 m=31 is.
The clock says h=6 m=59
